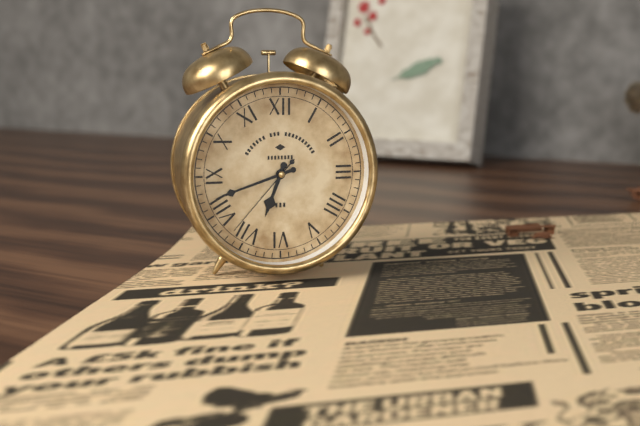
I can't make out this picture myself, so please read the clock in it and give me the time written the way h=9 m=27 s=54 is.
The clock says h=6 m=42 s=37
